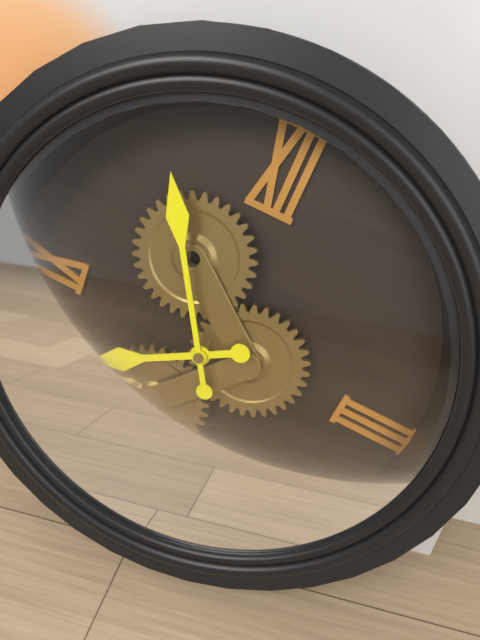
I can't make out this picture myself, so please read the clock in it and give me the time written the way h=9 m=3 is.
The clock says h=7 m=55
